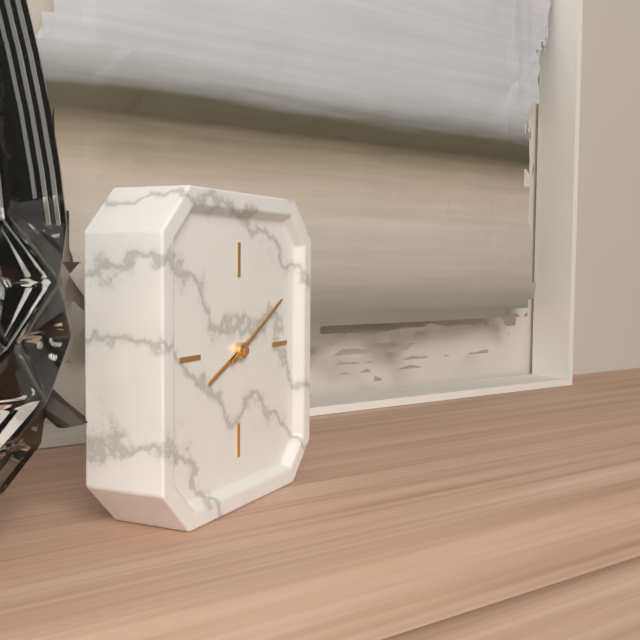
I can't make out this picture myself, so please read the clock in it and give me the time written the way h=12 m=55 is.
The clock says h=8 m=10
